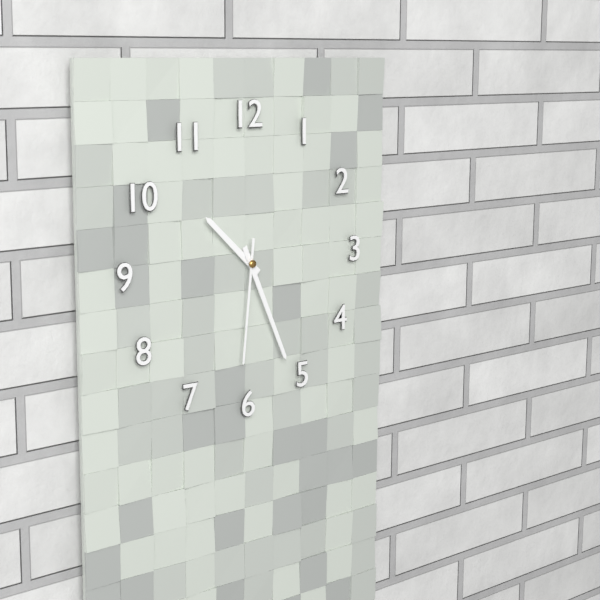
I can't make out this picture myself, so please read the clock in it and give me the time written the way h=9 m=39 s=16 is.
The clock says h=10 m=26 s=31
